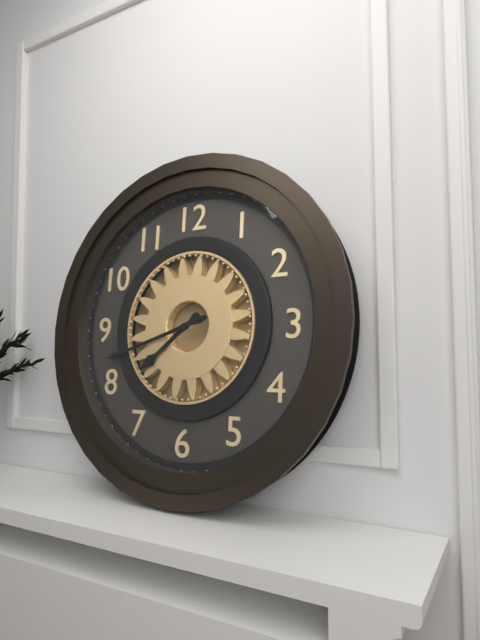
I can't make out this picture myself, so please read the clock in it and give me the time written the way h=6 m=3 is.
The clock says h=7 m=42
